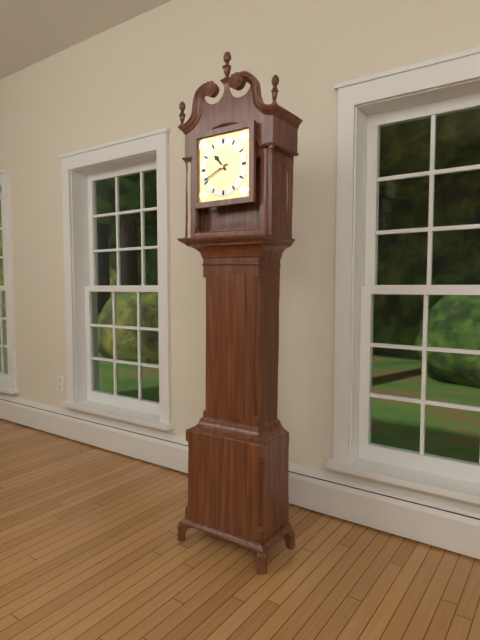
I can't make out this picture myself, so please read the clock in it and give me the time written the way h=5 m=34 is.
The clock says h=10 m=41
